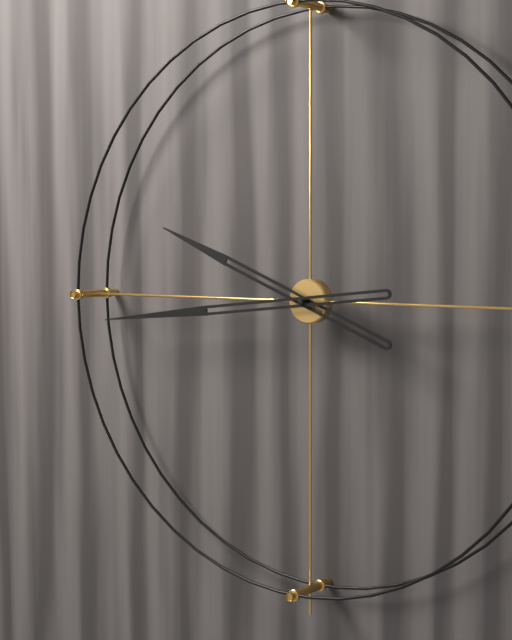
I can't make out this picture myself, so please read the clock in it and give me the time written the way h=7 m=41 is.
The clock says h=9 m=44
